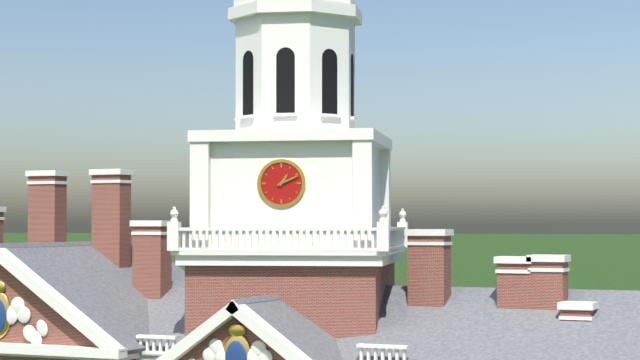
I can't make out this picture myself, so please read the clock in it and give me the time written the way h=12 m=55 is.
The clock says h=1 m=11
